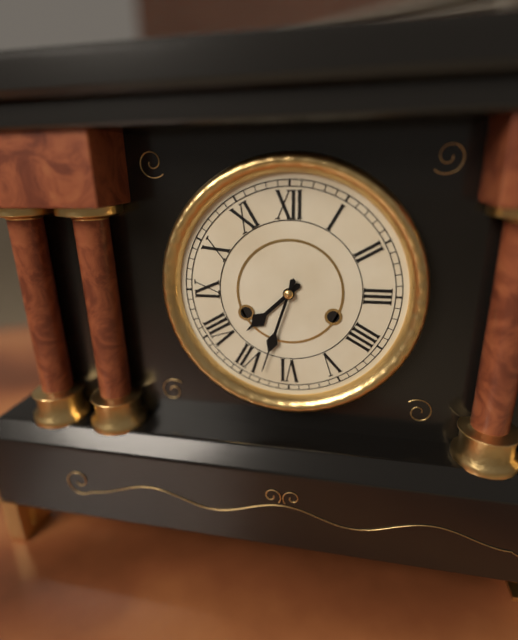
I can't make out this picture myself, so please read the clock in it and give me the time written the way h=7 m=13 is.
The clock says h=7 m=33
